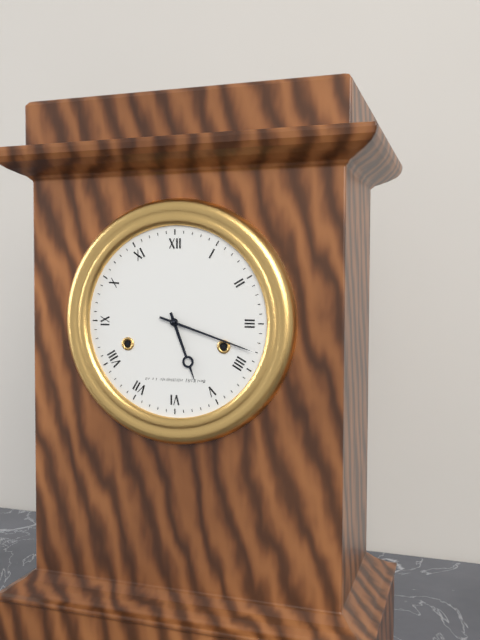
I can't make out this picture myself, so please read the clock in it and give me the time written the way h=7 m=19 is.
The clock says h=5 m=18
